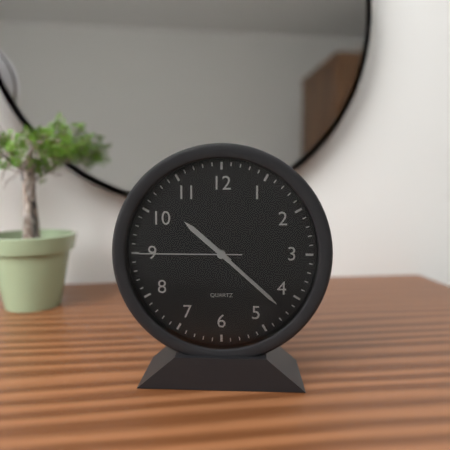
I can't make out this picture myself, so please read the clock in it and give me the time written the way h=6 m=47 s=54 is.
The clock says h=10 m=22 s=45
